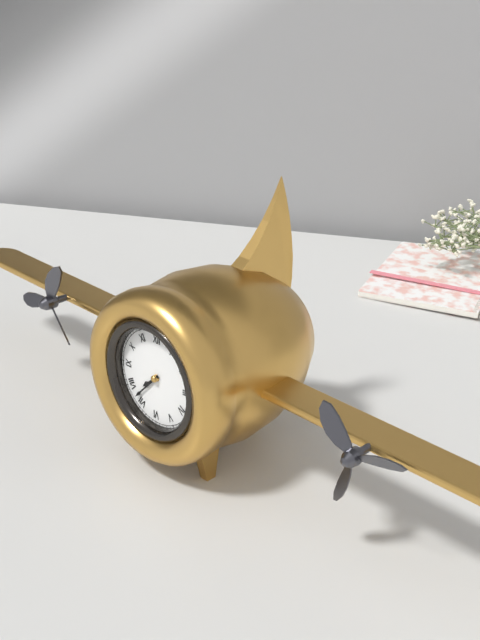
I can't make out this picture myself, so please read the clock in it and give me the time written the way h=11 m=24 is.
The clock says h=7 m=37
